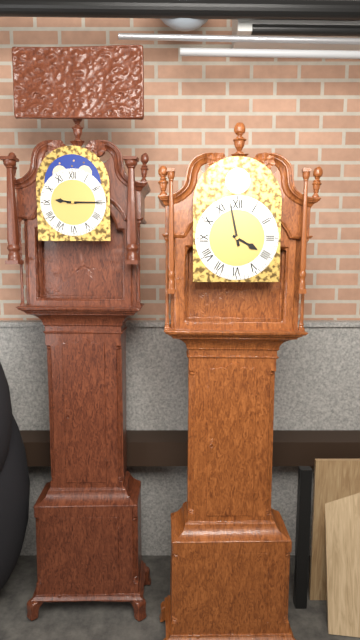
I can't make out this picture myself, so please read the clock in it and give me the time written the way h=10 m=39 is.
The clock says h=3 m=58
